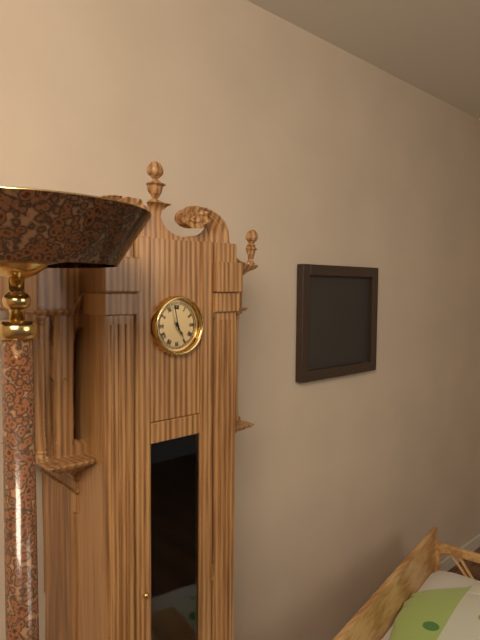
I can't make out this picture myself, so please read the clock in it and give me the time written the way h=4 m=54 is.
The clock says h=4 m=58
